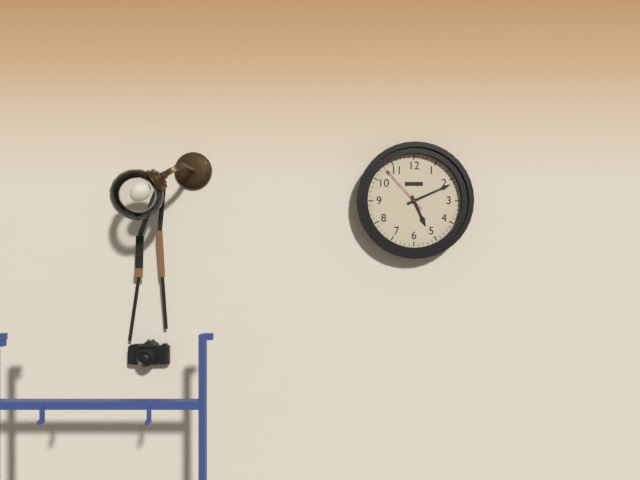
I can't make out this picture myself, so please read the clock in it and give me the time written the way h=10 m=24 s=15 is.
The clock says h=5 m=11 s=53
